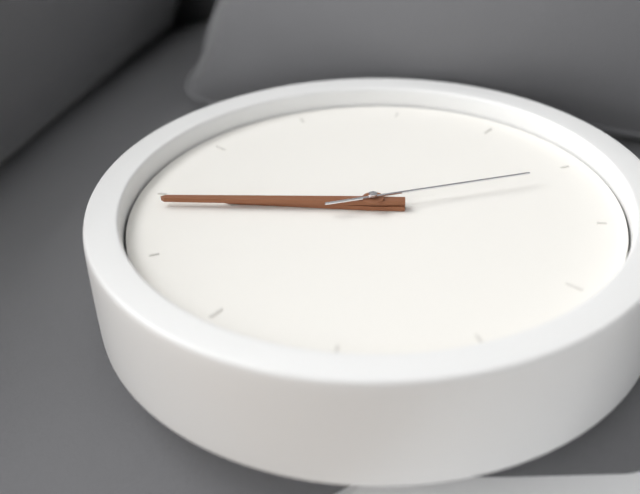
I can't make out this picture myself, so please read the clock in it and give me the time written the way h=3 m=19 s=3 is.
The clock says h=10 m=54 s=21
